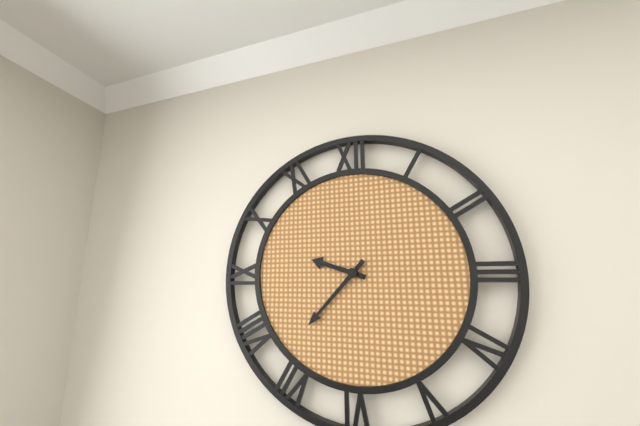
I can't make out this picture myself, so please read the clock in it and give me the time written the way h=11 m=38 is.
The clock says h=9 m=37
